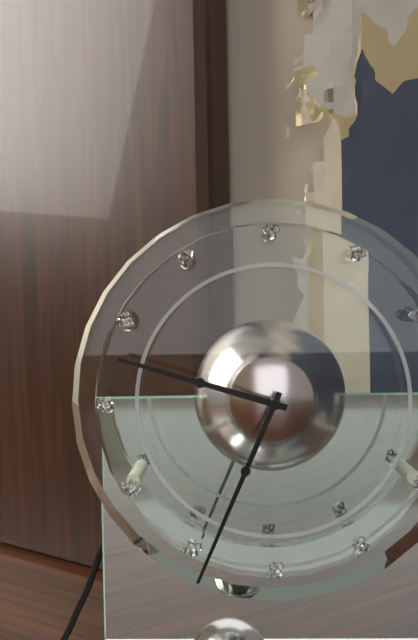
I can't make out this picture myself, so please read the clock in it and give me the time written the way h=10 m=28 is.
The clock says h=9 m=34
